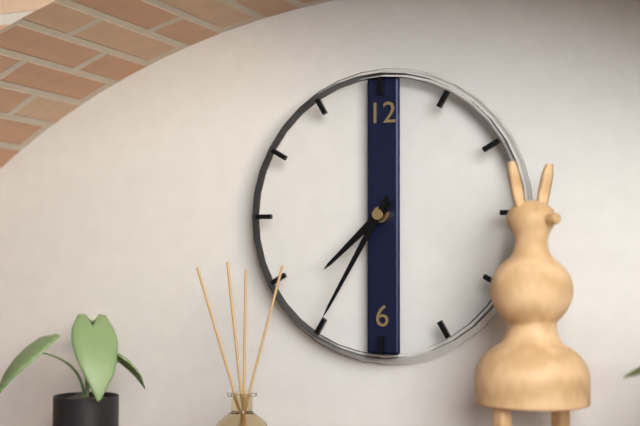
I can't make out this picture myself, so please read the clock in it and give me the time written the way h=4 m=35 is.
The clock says h=7 m=35
